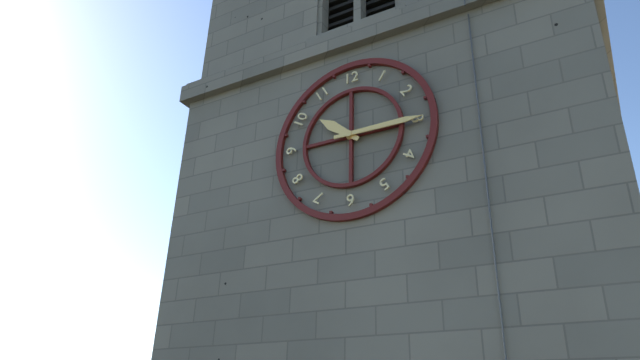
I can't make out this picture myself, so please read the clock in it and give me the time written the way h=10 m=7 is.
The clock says h=10 m=15
